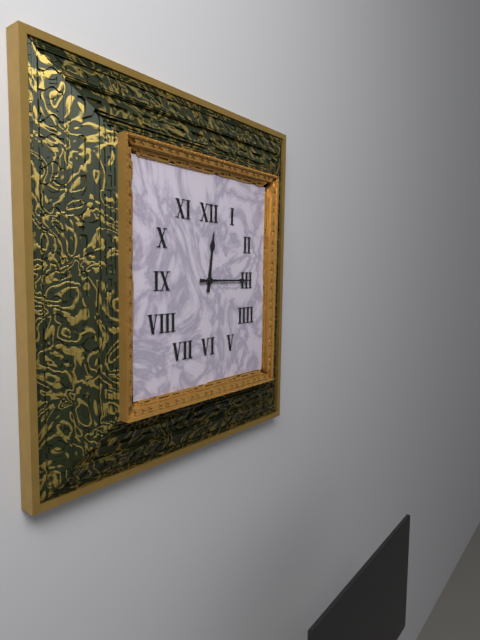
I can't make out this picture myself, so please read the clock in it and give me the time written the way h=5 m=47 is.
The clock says h=12 m=15
